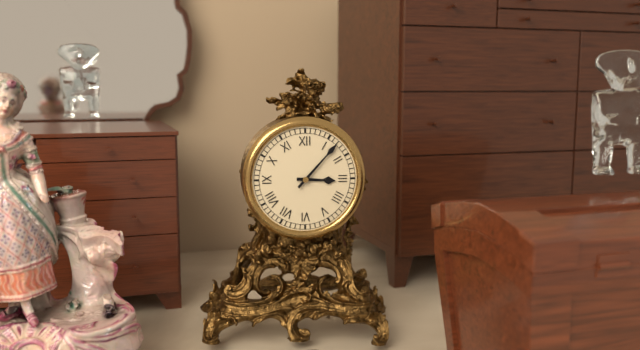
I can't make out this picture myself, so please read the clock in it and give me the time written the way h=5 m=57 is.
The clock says h=3 m=7
